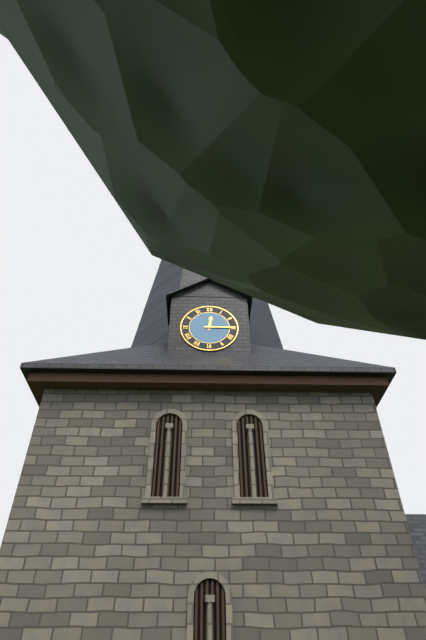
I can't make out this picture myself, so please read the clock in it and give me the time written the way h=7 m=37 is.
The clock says h=12 m=15
